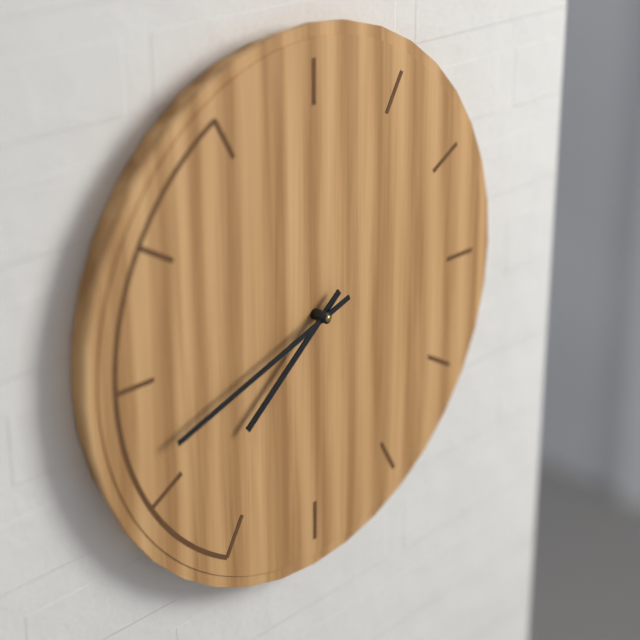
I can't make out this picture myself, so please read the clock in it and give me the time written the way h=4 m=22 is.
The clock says h=7 m=42
